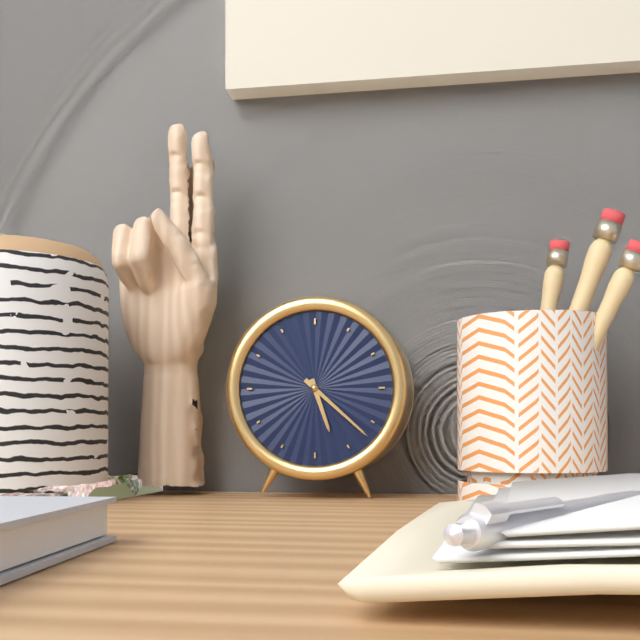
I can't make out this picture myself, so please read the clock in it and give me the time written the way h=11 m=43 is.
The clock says h=5 m=22
